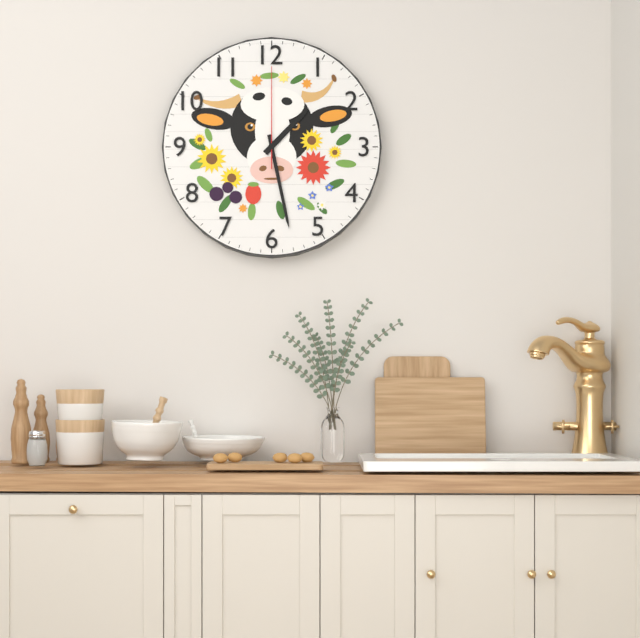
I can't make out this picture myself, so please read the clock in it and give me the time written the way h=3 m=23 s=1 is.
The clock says h=1 m=28 s=0
